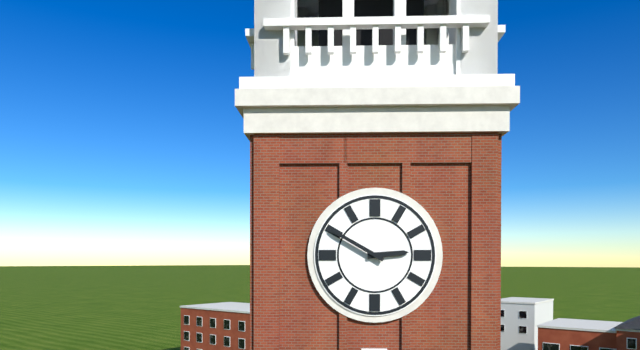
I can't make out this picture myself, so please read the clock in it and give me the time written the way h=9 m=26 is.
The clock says h=2 m=50
